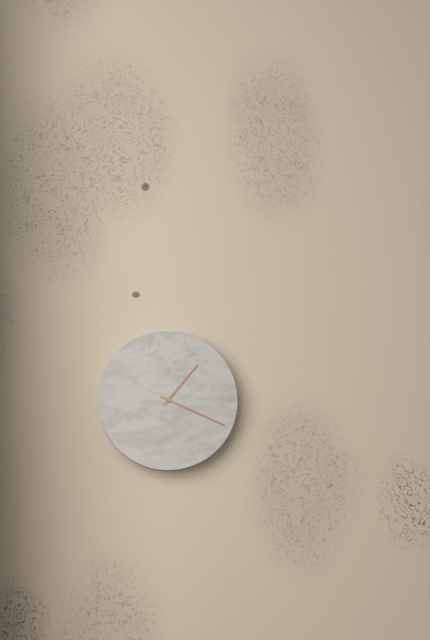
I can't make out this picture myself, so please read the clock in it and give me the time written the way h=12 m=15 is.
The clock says h=1 m=19
